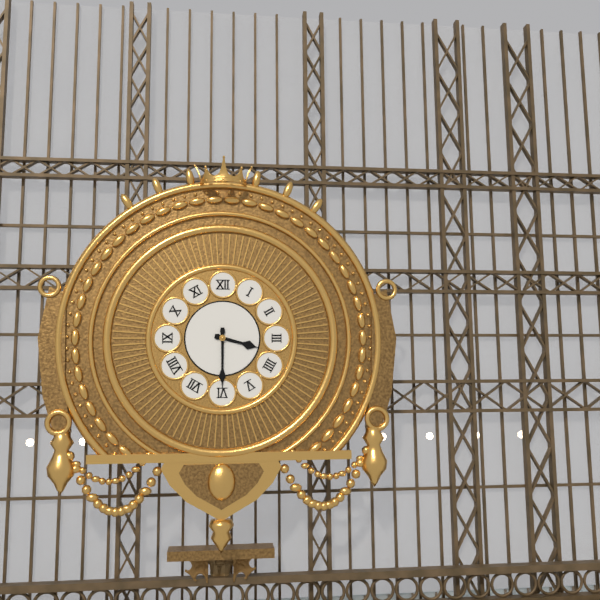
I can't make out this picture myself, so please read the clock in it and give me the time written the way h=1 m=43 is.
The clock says h=3 m=30
